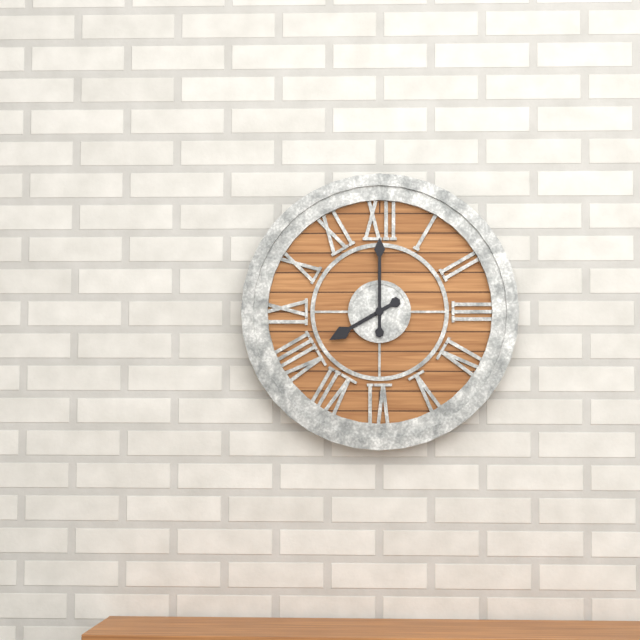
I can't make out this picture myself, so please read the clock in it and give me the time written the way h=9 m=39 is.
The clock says h=8 m=0
